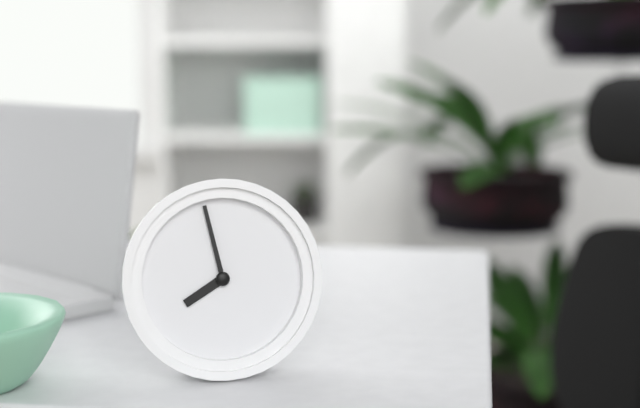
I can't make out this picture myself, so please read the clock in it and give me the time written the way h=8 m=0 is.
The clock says h=7 m=58
